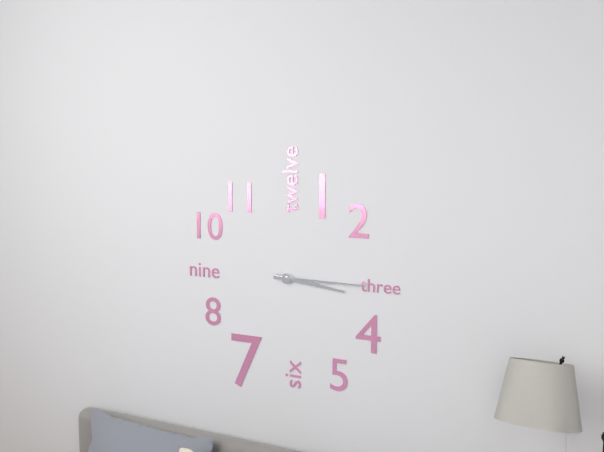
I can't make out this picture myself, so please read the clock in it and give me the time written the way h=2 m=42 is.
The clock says h=3 m=15
